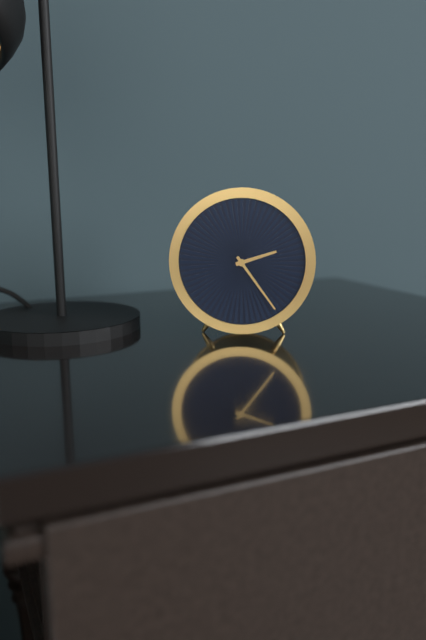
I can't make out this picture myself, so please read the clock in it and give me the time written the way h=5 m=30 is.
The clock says h=2 m=24
